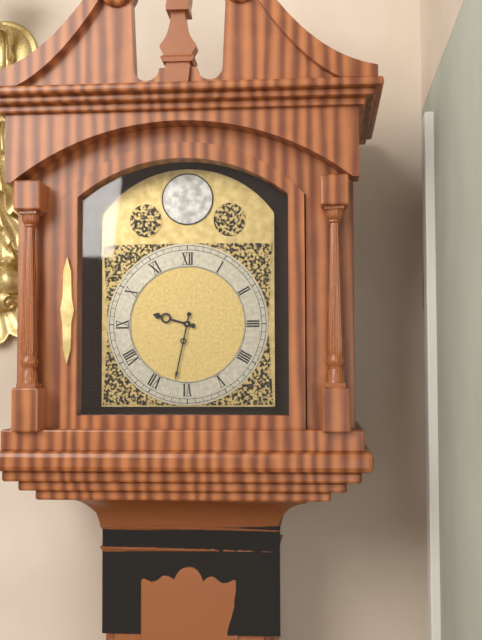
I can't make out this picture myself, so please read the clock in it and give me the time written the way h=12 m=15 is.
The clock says h=9 m=32
